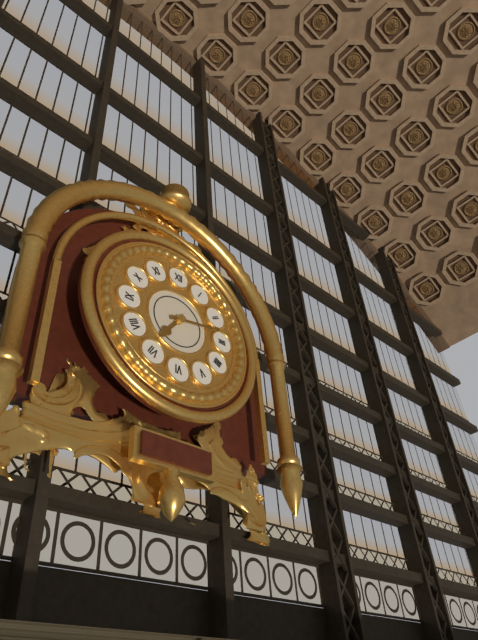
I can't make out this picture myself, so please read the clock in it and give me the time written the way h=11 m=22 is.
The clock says h=7 m=13
